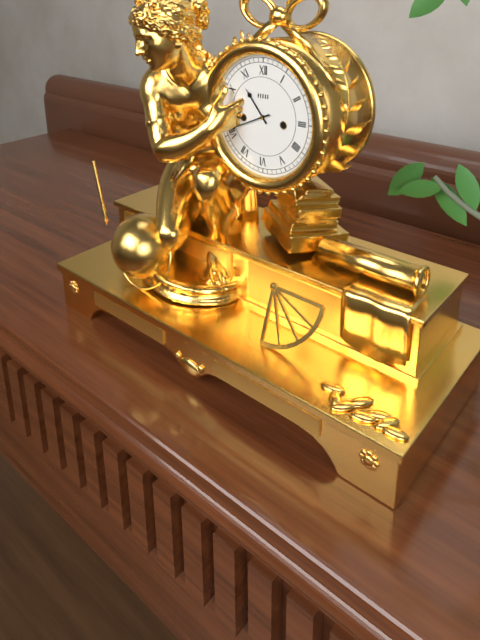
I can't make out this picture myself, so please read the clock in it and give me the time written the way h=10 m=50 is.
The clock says h=10 m=41
